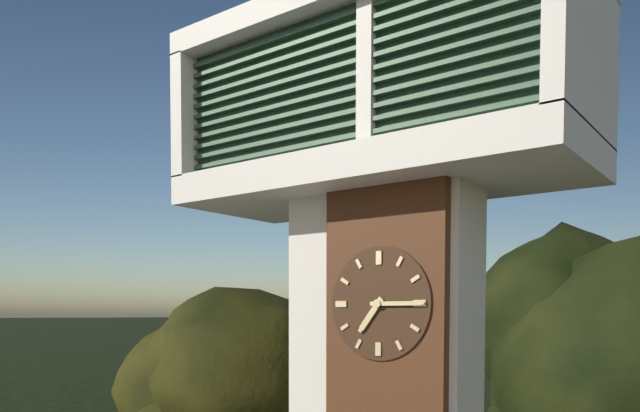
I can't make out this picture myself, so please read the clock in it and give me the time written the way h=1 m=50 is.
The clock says h=7 m=15
